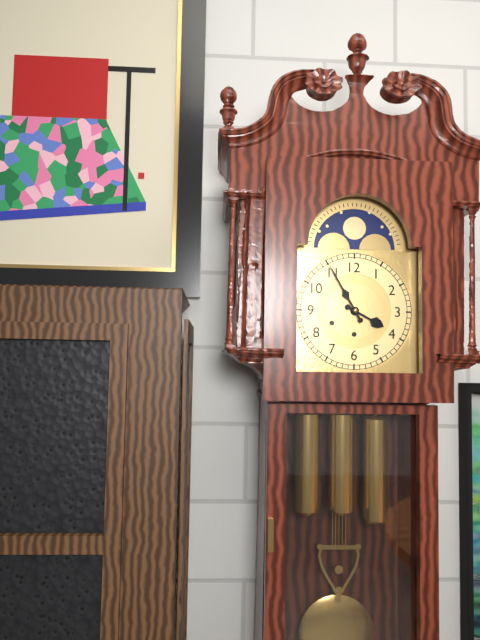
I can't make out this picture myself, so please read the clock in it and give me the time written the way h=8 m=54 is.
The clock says h=3 m=55
